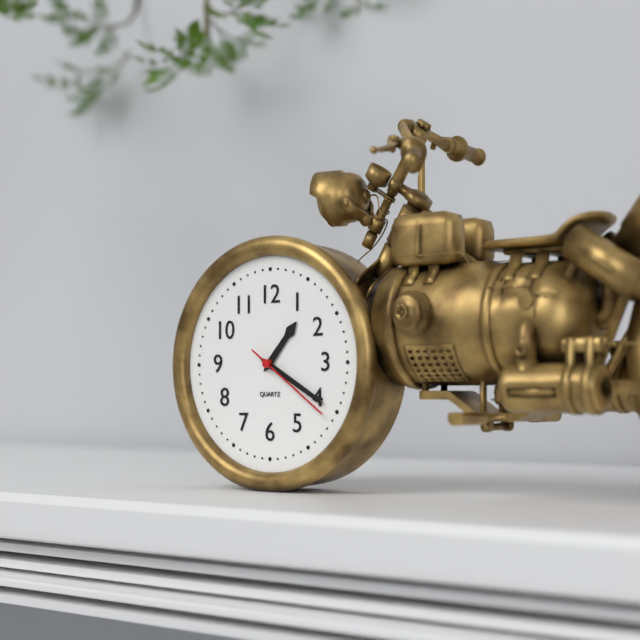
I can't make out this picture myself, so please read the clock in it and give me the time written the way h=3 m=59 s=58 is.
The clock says h=1 m=20 s=21
